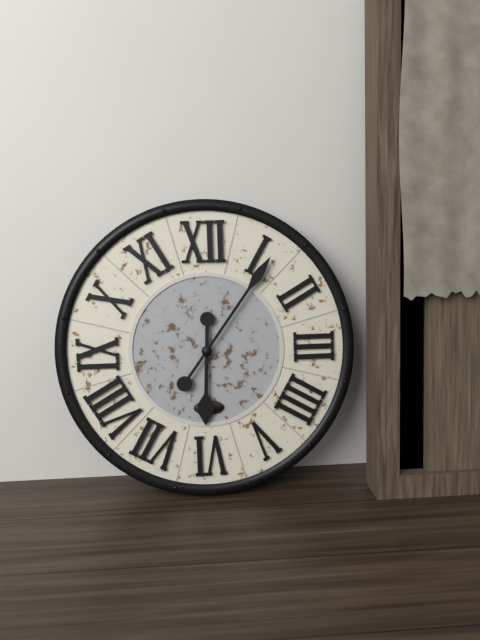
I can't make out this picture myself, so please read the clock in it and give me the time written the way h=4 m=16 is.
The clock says h=6 m=6
